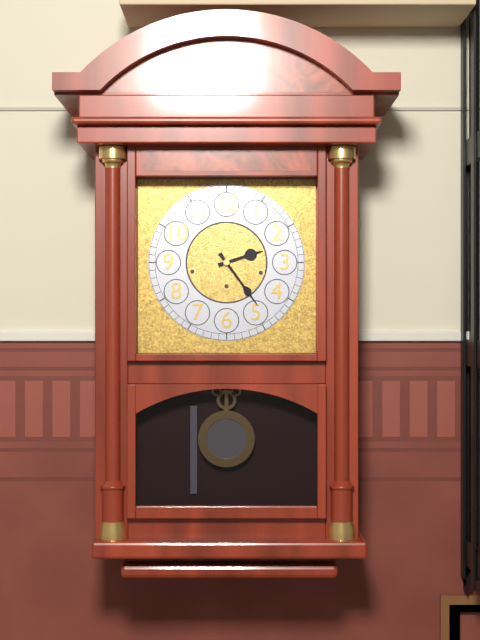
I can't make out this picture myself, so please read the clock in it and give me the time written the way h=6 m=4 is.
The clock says h=2 m=24
